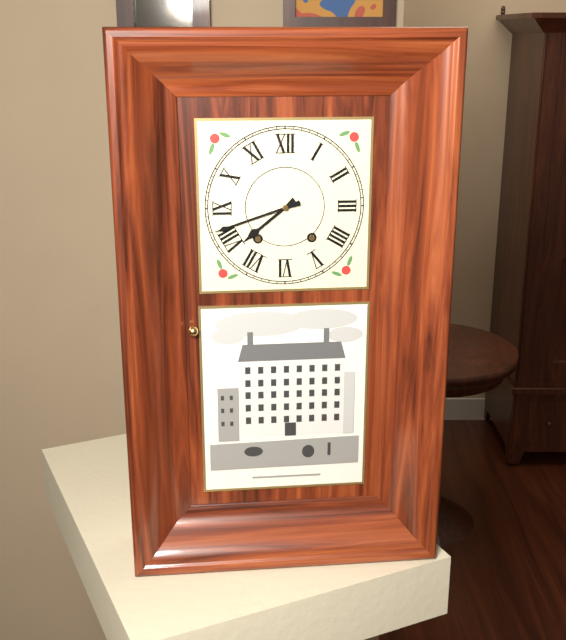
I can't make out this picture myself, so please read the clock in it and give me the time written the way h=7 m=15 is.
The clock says h=7 m=42
